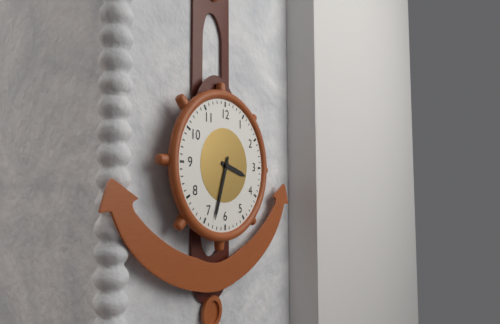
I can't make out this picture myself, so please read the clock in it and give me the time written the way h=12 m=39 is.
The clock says h=3 m=33
